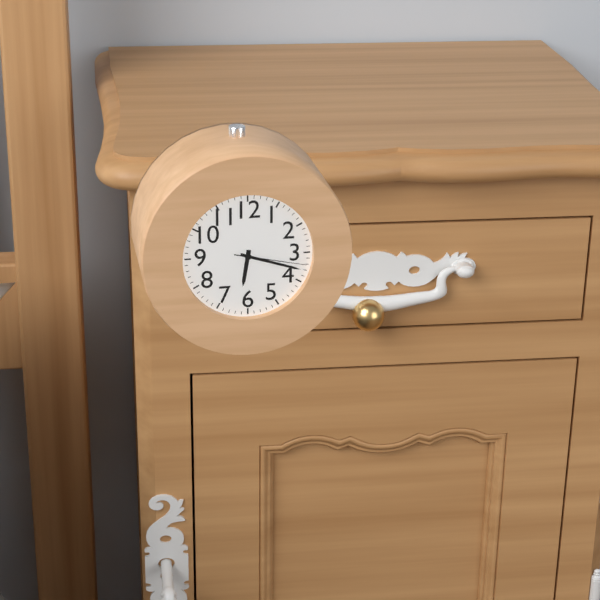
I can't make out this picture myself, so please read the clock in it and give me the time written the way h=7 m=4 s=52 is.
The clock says h=6 m=18 s=17
